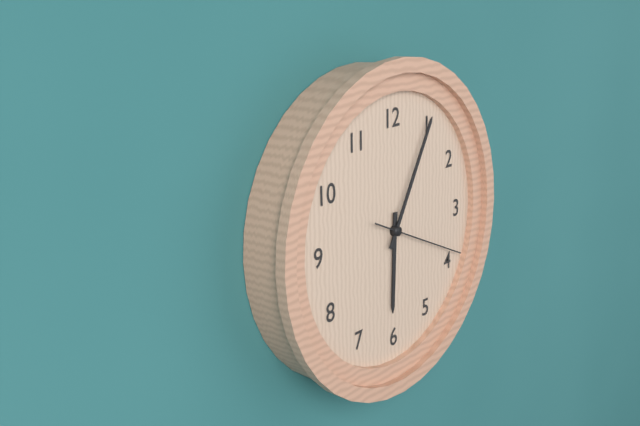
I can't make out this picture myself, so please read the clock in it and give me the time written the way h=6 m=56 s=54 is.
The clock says h=6 m=5 s=19
